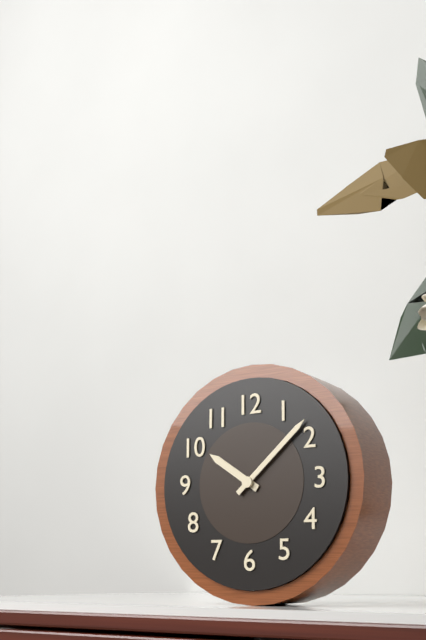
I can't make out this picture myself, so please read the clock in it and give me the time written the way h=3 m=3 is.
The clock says h=10 m=8
